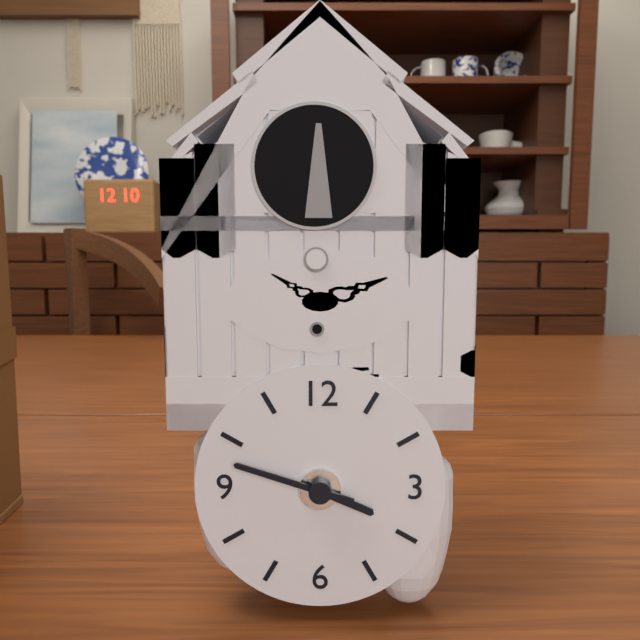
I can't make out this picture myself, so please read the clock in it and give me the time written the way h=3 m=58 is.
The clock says h=3 m=48
